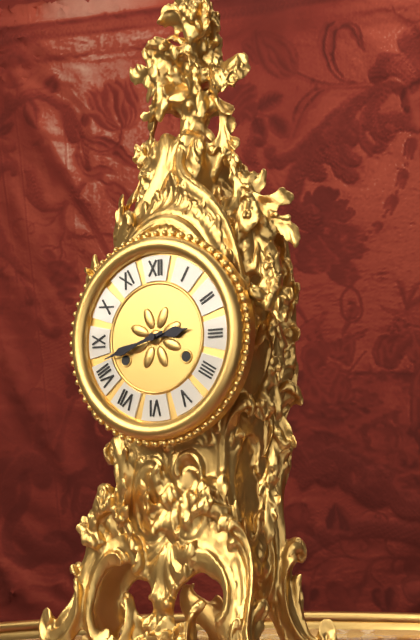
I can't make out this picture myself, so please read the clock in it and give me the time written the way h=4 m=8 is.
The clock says h=2 m=42
